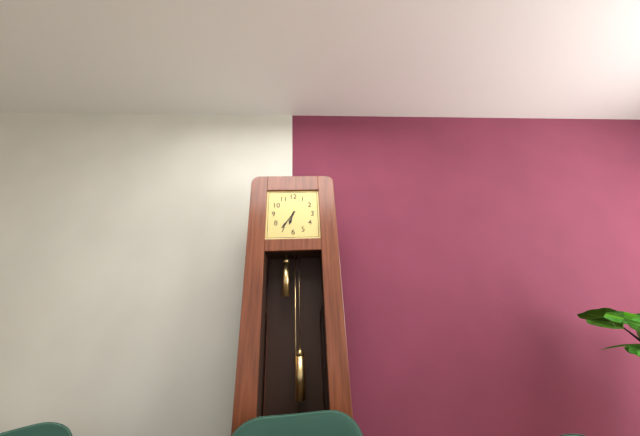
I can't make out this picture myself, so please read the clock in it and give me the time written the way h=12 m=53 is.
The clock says h=6 m=36
